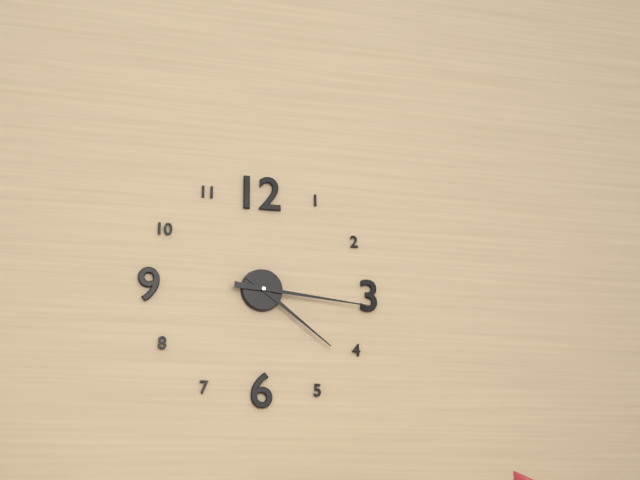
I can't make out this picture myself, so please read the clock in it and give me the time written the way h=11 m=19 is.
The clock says h=4 m=16
